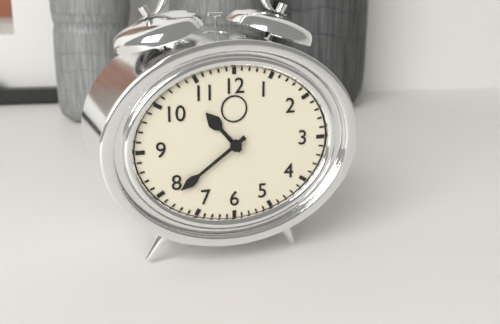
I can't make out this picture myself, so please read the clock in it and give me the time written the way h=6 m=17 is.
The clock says h=10 m=39
